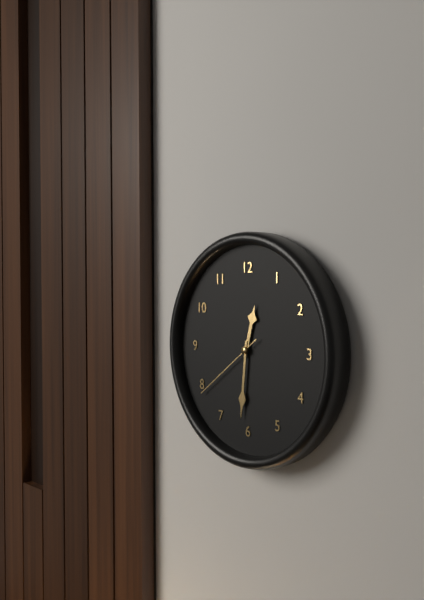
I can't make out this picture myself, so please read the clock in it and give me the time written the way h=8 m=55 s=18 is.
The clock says h=12 m=31 s=39
